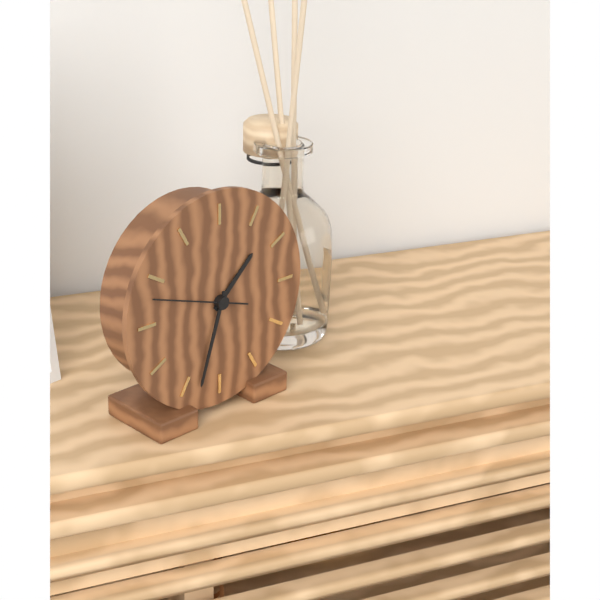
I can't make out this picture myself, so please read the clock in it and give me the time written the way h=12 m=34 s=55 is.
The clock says h=1 m=33 s=48
